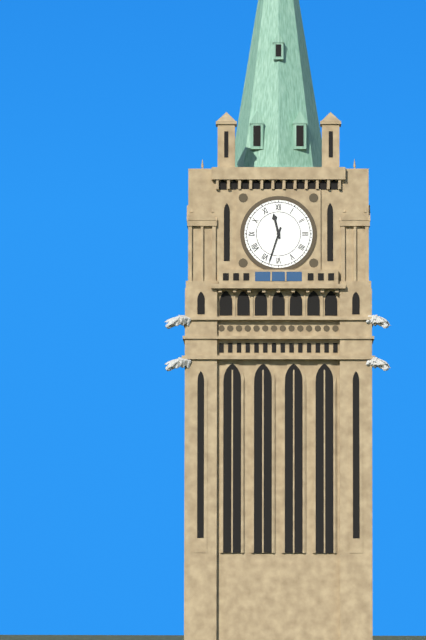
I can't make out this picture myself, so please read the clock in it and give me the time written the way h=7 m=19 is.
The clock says h=11 m=33
